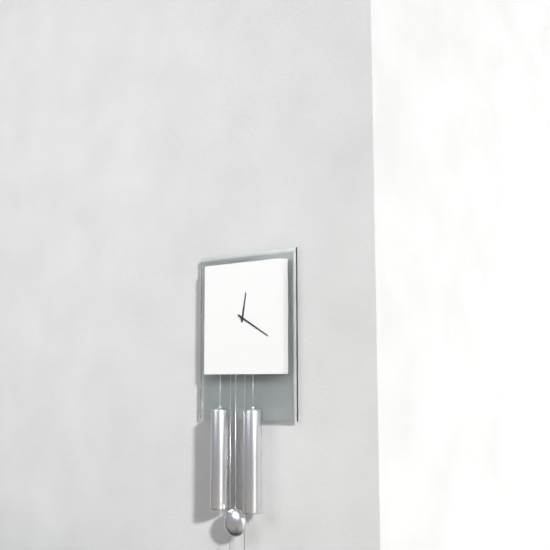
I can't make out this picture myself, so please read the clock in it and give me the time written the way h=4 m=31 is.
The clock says h=12 m=20
